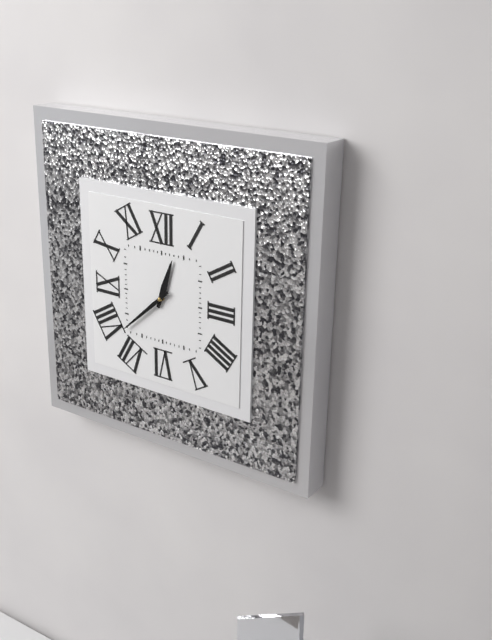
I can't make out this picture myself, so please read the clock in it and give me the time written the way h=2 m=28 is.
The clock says h=12 m=38
